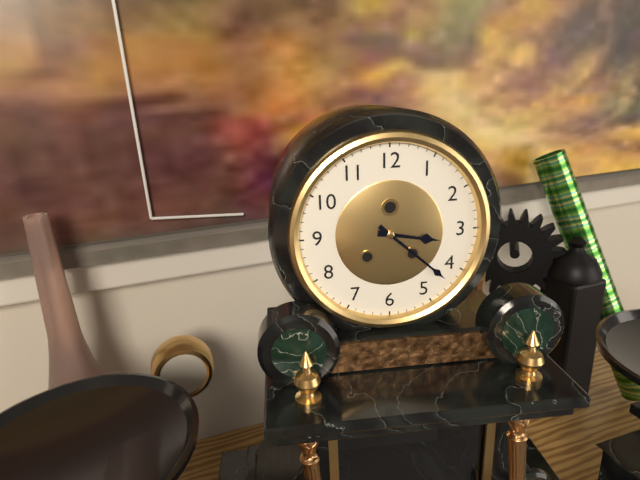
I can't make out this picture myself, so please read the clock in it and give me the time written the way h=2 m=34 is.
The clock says h=3 m=22
